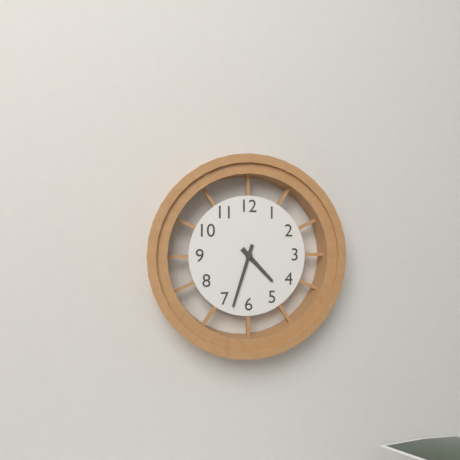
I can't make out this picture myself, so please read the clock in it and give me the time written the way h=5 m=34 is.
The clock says h=4 m=33
